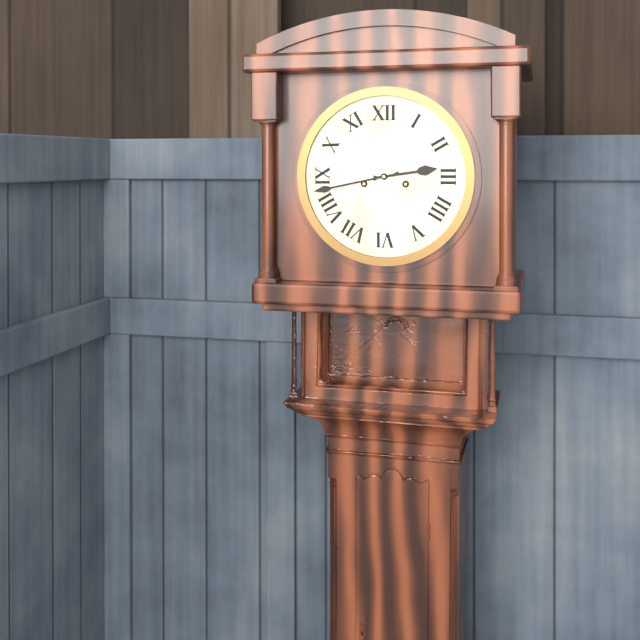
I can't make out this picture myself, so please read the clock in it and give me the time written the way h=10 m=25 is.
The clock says h=2 m=43
